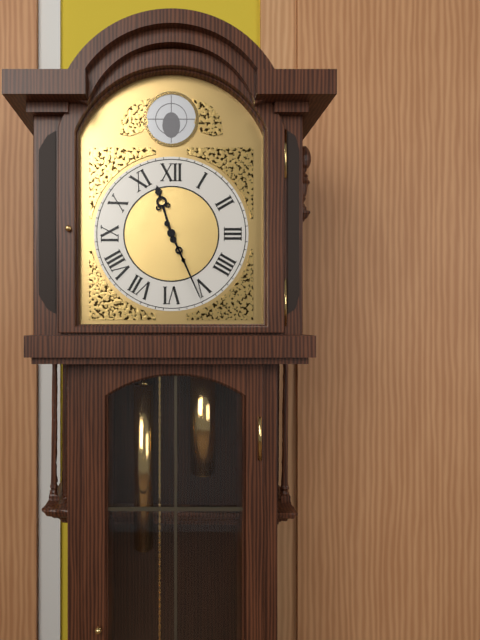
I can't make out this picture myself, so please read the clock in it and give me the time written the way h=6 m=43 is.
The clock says h=11 m=26
